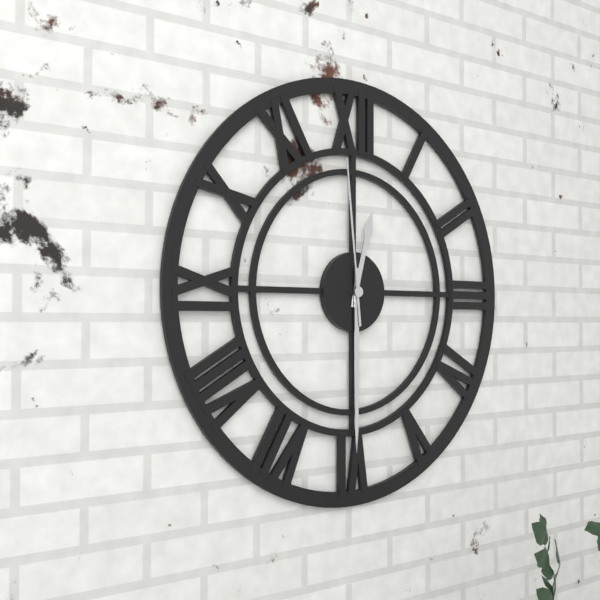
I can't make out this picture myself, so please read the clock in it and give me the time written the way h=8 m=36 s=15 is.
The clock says h=12 m=30 s=59
